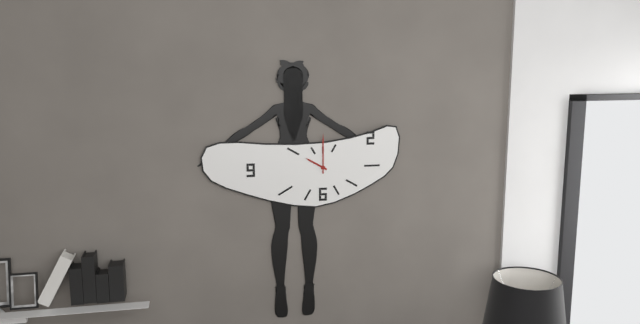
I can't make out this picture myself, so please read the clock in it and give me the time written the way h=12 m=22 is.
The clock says h=10 m=0
